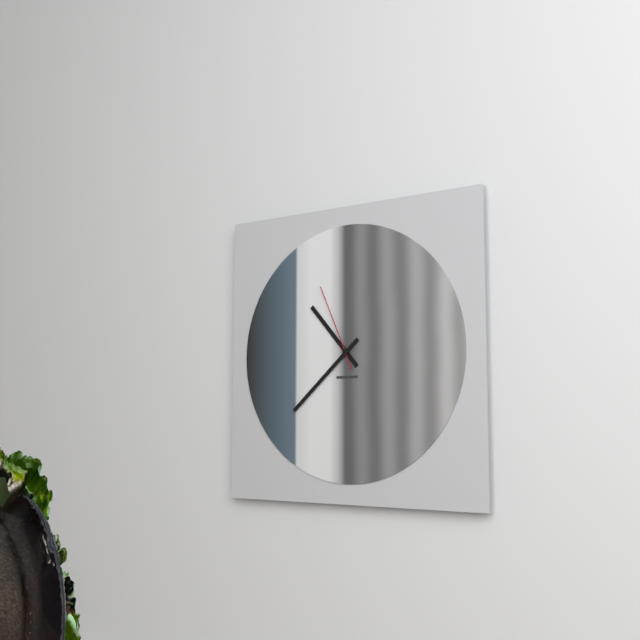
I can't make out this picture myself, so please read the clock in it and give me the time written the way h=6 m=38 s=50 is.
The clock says h=10 m=38 s=56
